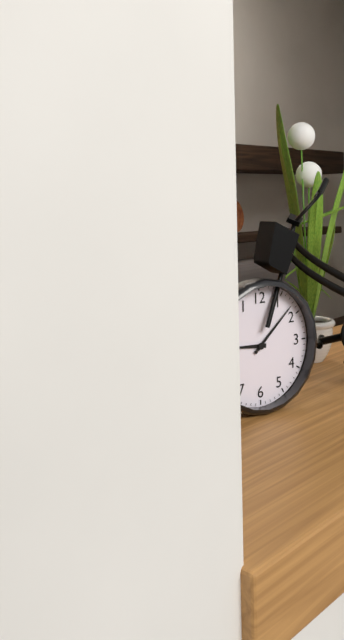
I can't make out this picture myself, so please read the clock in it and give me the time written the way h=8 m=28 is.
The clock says h=9 m=8
